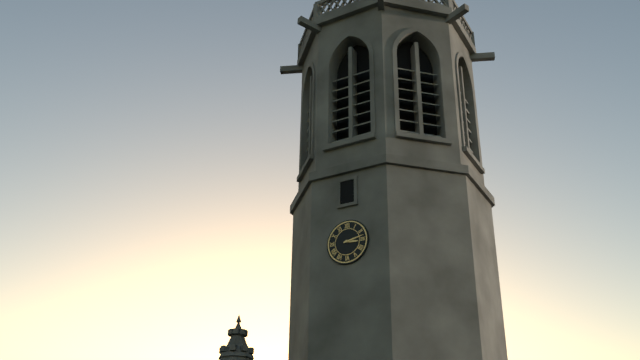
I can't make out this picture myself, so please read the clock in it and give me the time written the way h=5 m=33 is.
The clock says h=3 m=13
